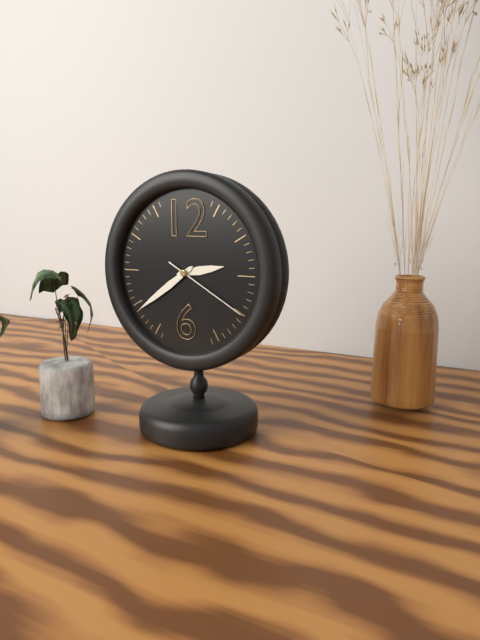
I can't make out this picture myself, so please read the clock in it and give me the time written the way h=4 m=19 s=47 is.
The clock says h=2 m=39 s=20
